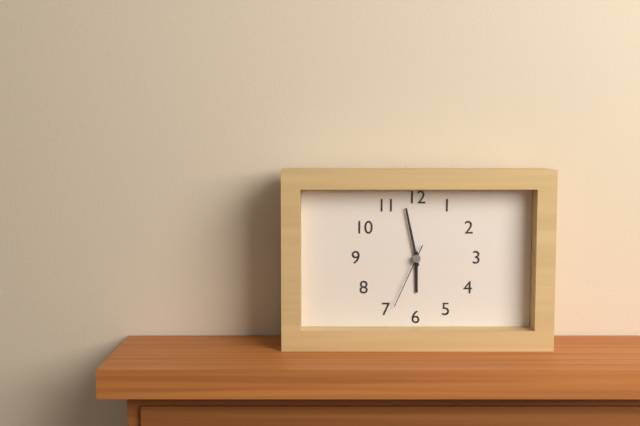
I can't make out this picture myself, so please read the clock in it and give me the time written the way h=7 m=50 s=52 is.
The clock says h=5 m=58 s=34
